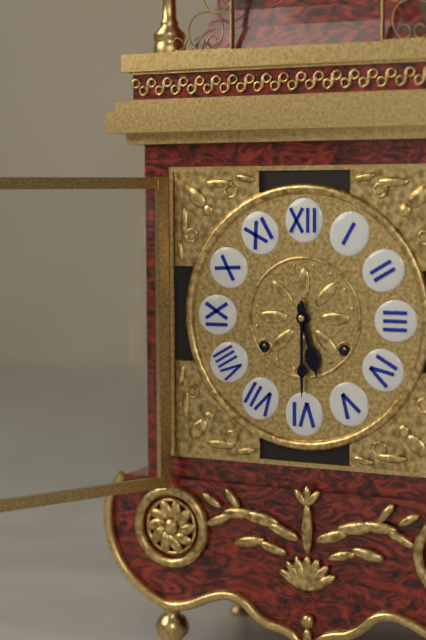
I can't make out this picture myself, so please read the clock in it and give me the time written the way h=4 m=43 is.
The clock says h=5 m=30
